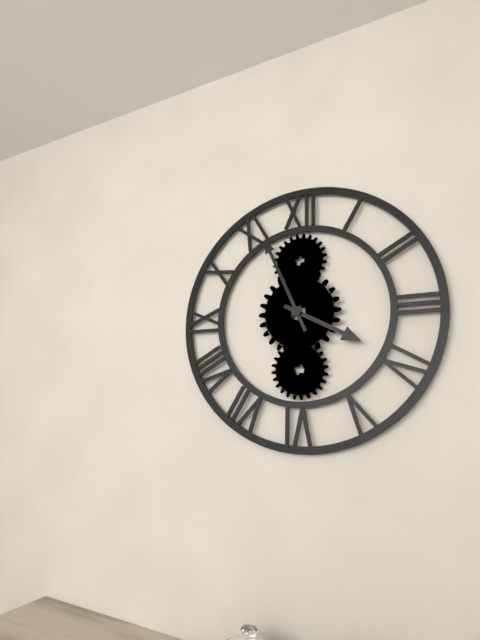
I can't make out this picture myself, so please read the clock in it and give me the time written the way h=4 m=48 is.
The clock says h=3 m=56
